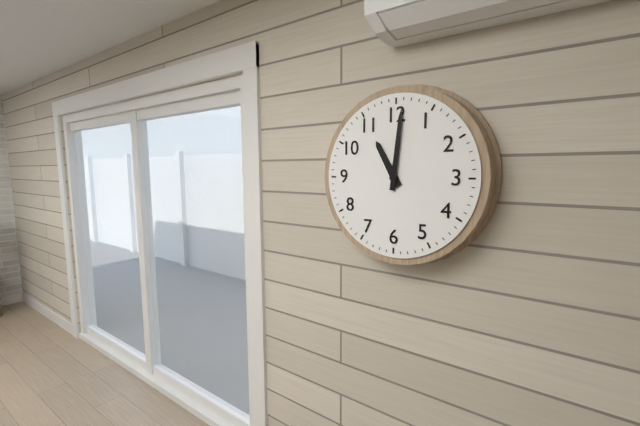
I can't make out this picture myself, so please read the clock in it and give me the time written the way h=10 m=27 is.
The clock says h=11 m=1
